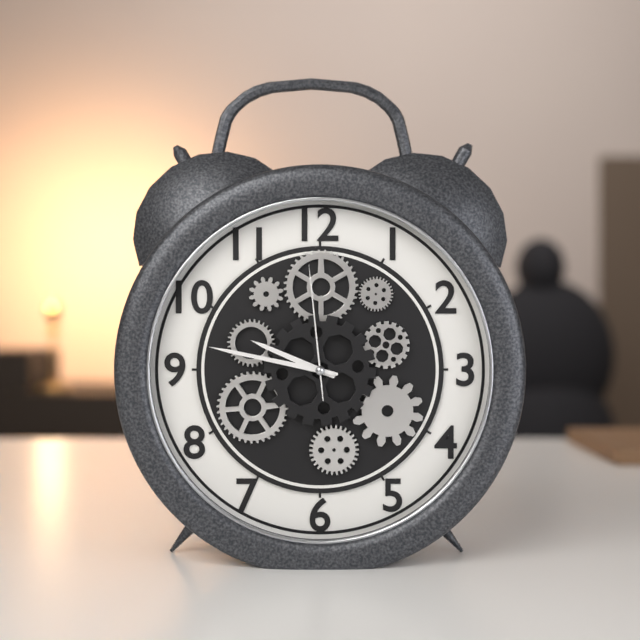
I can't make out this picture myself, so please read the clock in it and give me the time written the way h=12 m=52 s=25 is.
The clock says h=9 m=47 s=59
